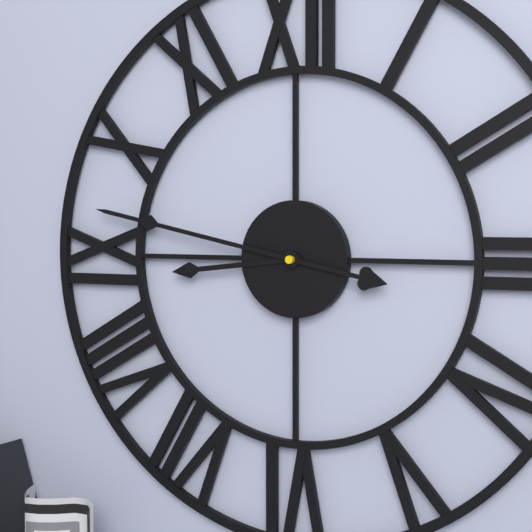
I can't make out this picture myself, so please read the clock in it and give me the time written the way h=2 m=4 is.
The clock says h=8 m=47
